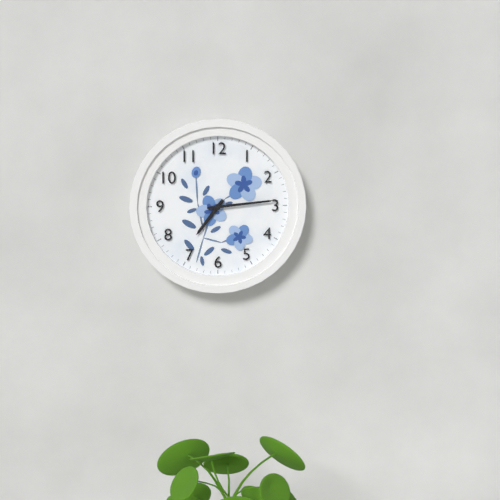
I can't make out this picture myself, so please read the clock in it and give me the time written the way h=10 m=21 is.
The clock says h=7 m=14
